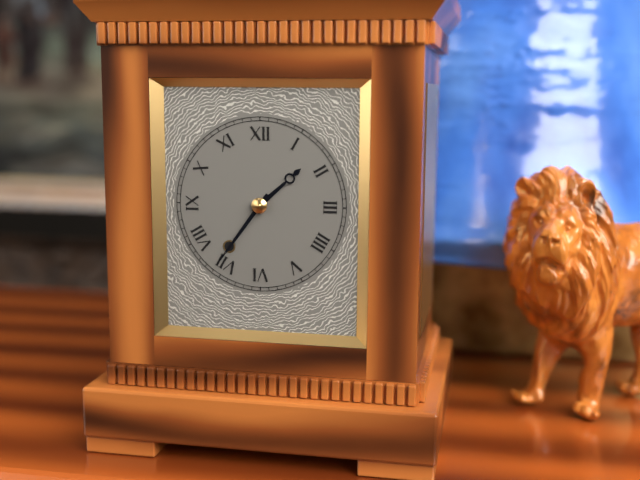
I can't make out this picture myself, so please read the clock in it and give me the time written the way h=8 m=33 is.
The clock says h=1 m=36
